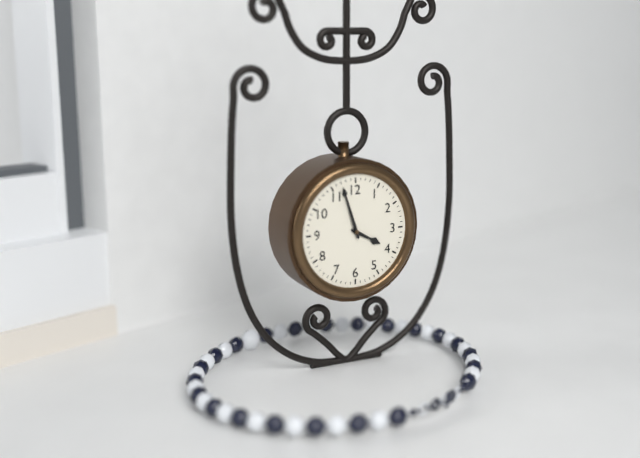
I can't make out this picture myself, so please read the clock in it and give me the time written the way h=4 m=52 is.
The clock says h=3 m=57
